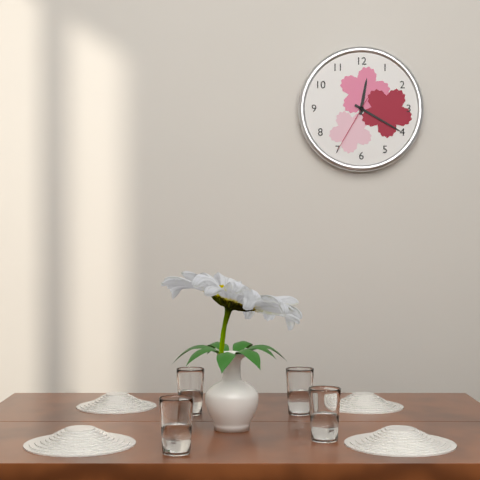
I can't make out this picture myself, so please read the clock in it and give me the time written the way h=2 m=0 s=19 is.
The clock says h=12 m=20 s=35
